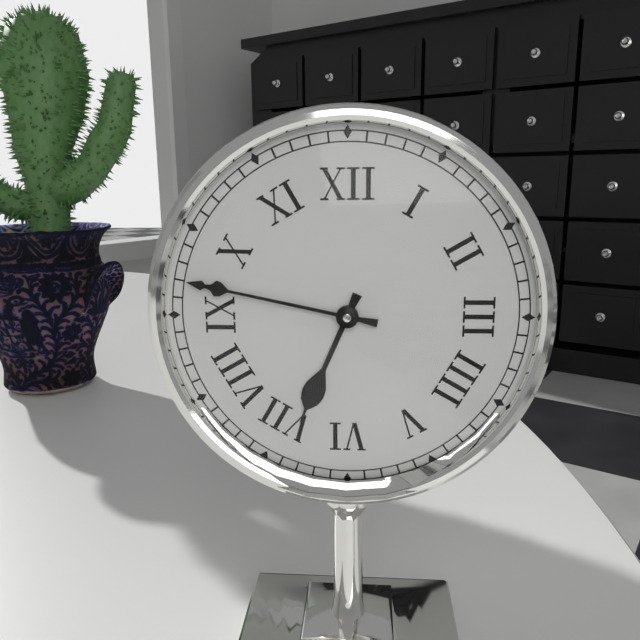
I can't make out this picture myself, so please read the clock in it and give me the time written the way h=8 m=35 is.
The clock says h=6 m=47
